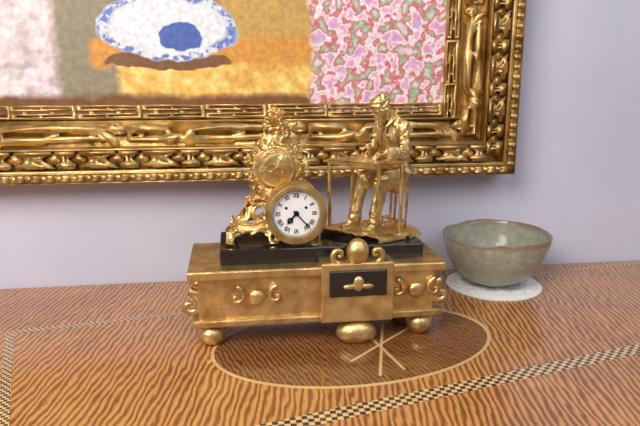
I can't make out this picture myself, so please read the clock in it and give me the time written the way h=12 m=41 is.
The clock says h=7 m=23
